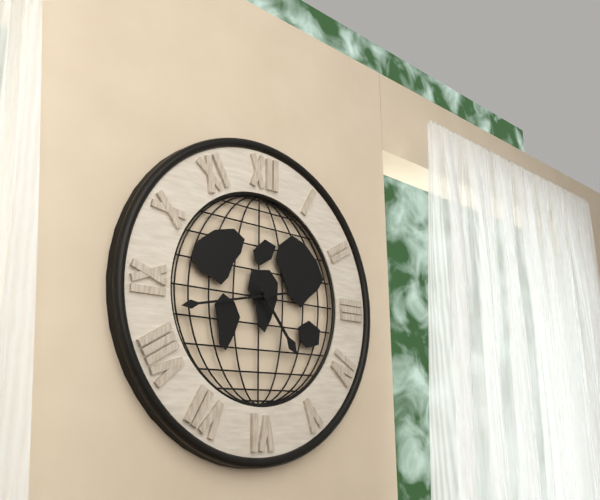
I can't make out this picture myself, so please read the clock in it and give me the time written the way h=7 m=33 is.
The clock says h=4 m=43
